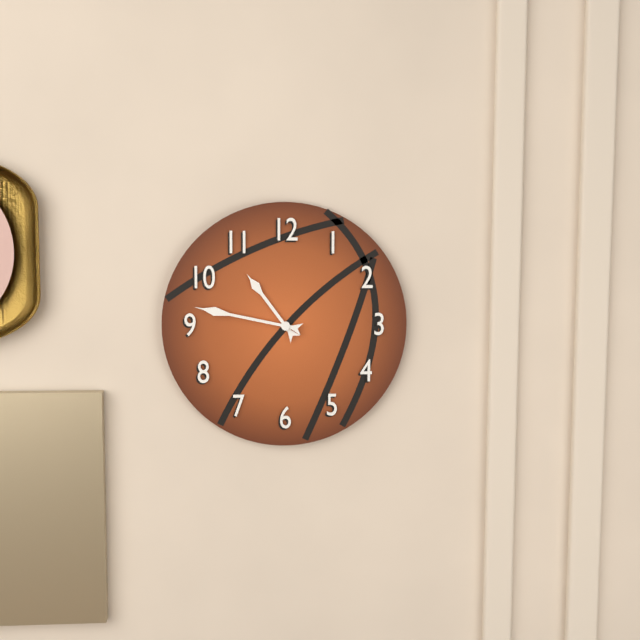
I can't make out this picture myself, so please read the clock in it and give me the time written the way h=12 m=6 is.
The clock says h=10 m=47
